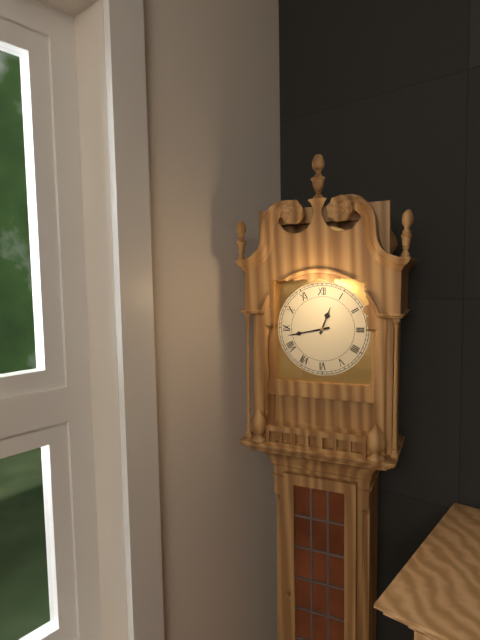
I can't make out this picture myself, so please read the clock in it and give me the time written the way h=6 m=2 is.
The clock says h=12 m=43
